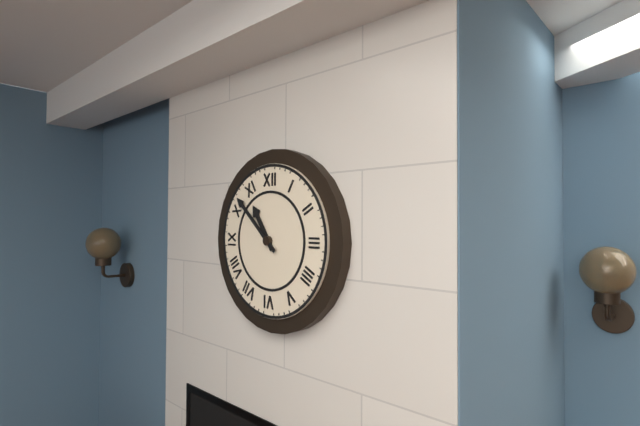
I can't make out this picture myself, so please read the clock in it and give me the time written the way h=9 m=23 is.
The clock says h=10 m=52
